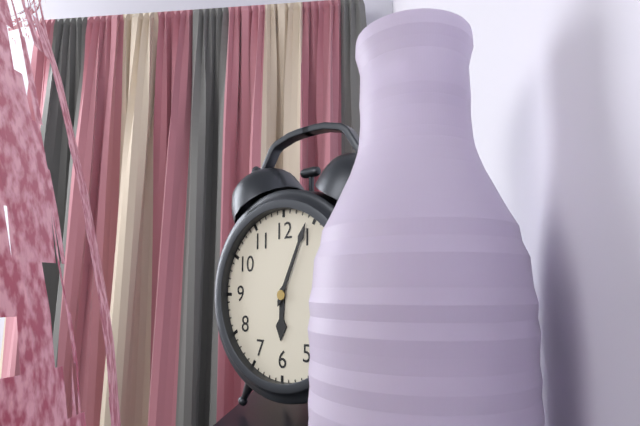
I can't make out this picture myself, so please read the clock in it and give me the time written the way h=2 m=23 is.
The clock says h=6 m=4
